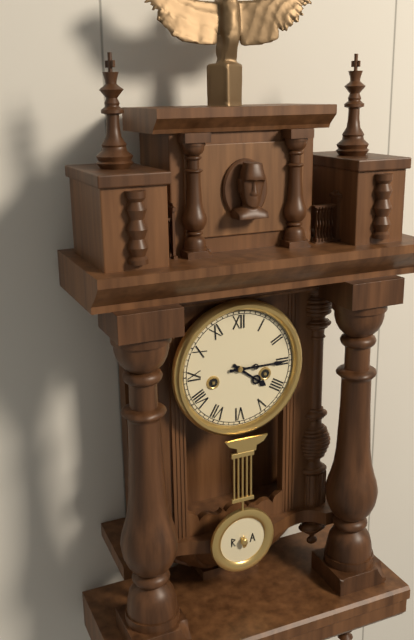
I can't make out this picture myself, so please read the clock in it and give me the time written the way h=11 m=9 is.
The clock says h=4 m=15
